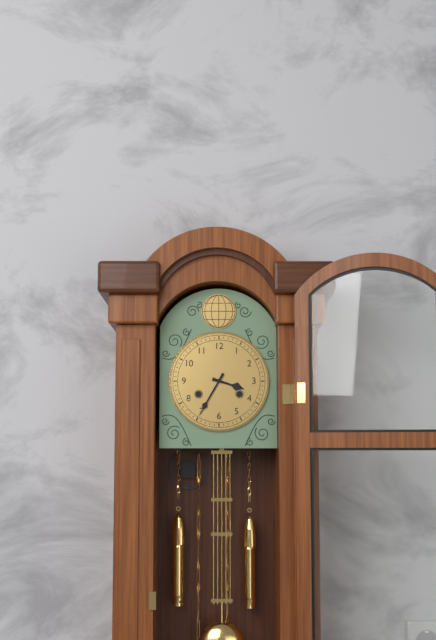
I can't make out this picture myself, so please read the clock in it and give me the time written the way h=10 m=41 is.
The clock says h=3 m=35
